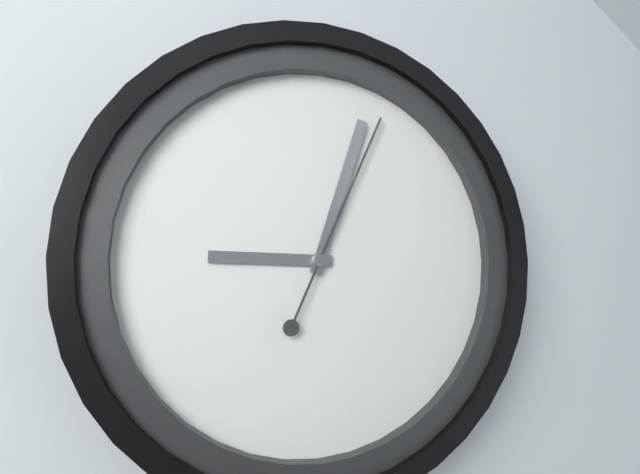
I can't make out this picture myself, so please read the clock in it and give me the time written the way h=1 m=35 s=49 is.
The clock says h=9 m=3 s=4
